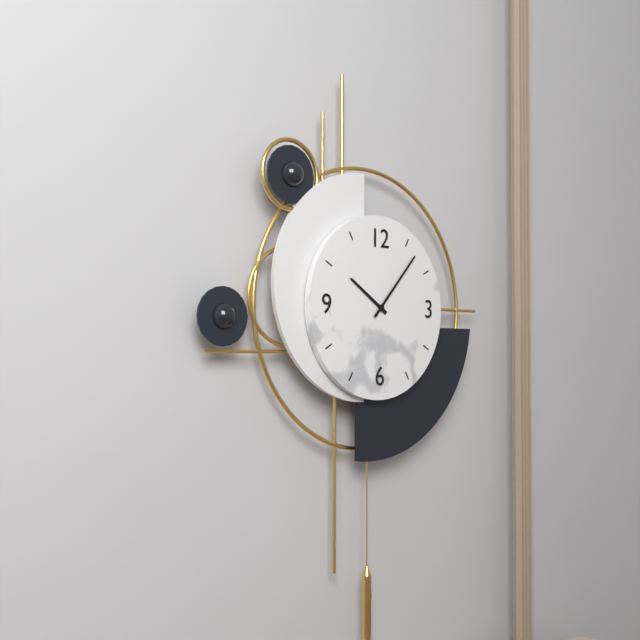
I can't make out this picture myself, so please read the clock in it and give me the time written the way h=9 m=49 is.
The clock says h=10 m=7
